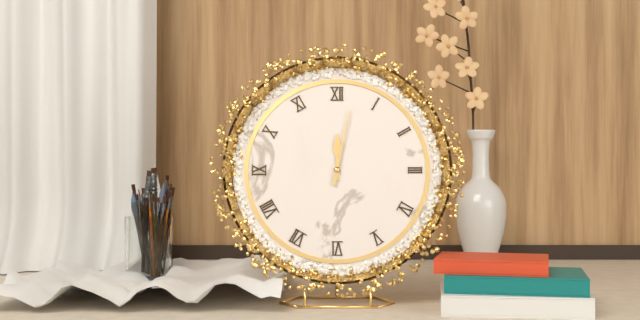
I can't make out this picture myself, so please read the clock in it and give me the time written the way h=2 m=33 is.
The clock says h=12 m=2
